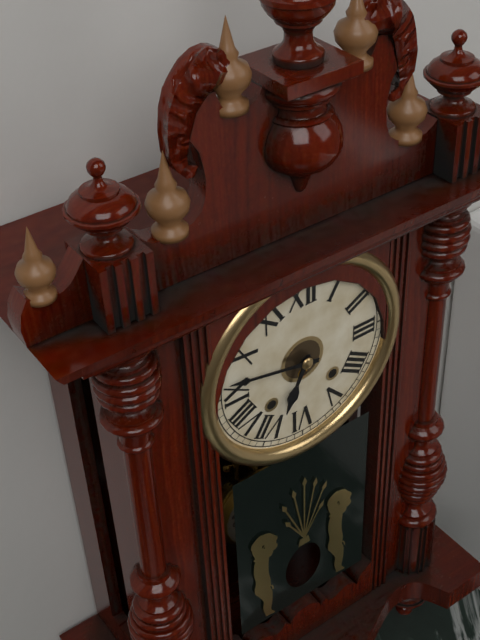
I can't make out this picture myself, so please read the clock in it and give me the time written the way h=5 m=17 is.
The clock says h=6 m=47
